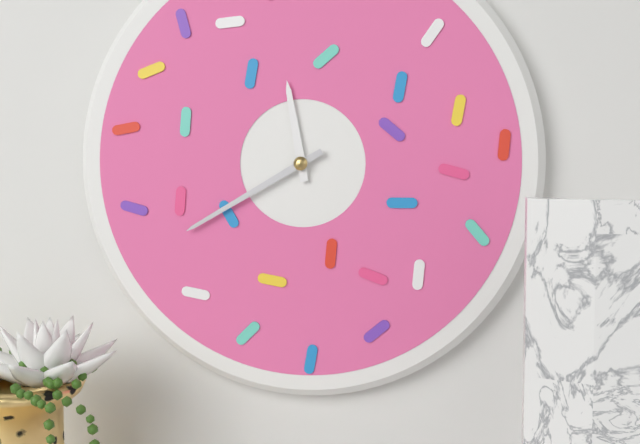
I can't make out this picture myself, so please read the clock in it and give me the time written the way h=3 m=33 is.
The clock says h=11 m=40
